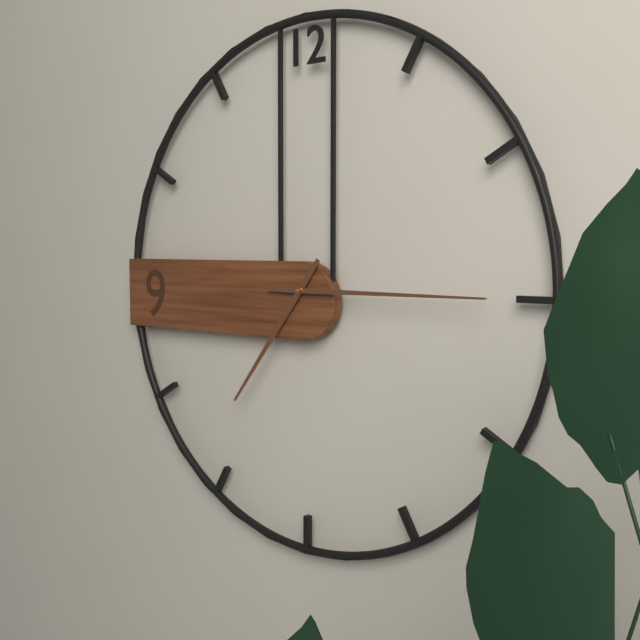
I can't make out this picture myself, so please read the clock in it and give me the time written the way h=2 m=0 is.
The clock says h=7 m=15
